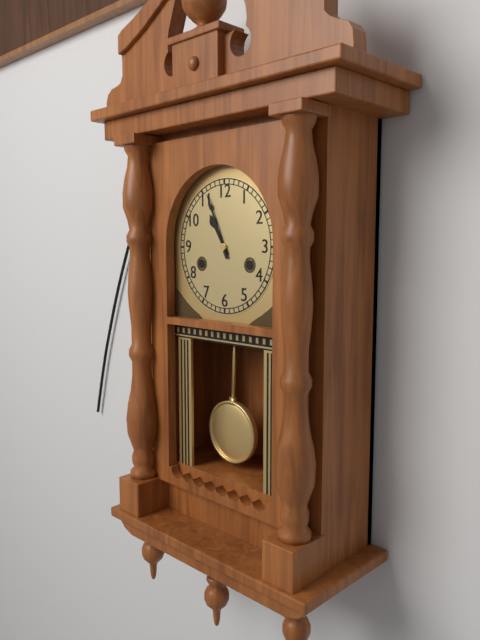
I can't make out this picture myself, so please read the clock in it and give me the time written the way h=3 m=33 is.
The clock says h=10 m=56
